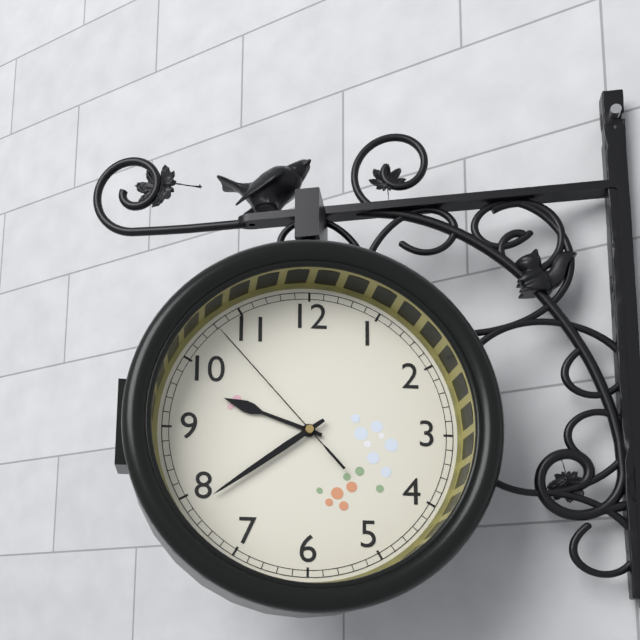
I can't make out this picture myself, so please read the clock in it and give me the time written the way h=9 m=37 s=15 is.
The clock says h=9 m=39 s=53
